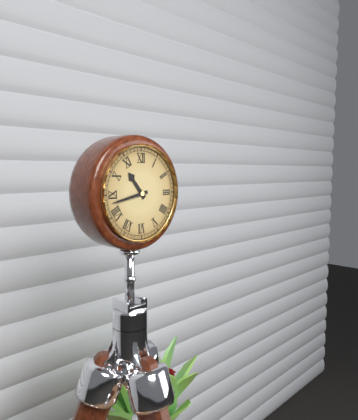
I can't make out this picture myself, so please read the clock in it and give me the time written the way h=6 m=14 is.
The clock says h=10 m=43
